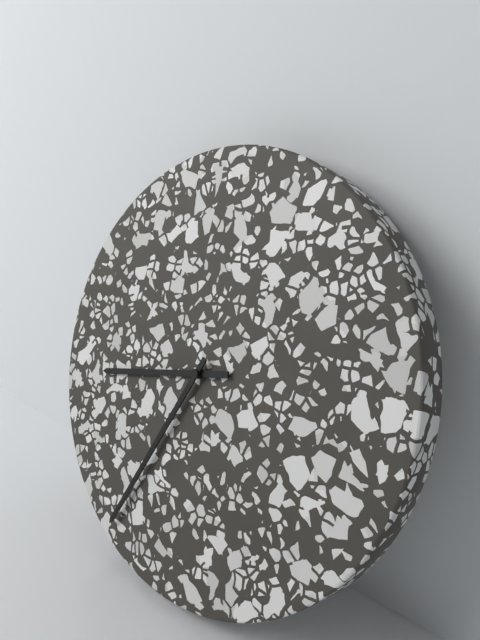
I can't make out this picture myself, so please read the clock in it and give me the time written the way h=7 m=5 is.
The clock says h=8 m=34
